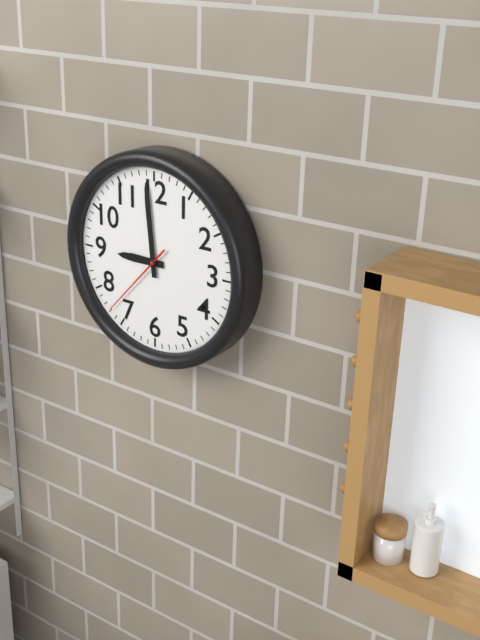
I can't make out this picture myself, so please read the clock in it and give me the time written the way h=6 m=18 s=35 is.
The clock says h=8 m=59 s=37
